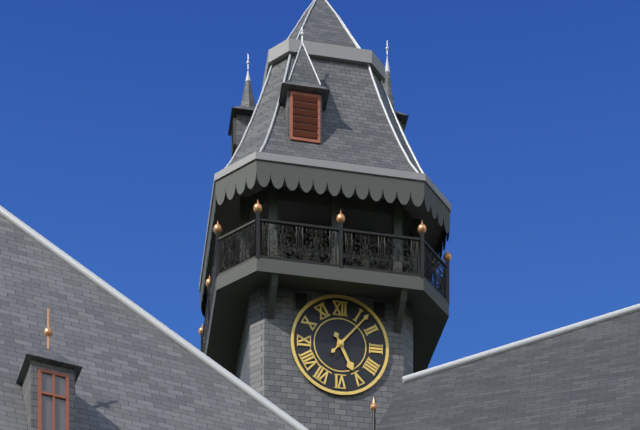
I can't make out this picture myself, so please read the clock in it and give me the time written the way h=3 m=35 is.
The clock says h=5 m=7
